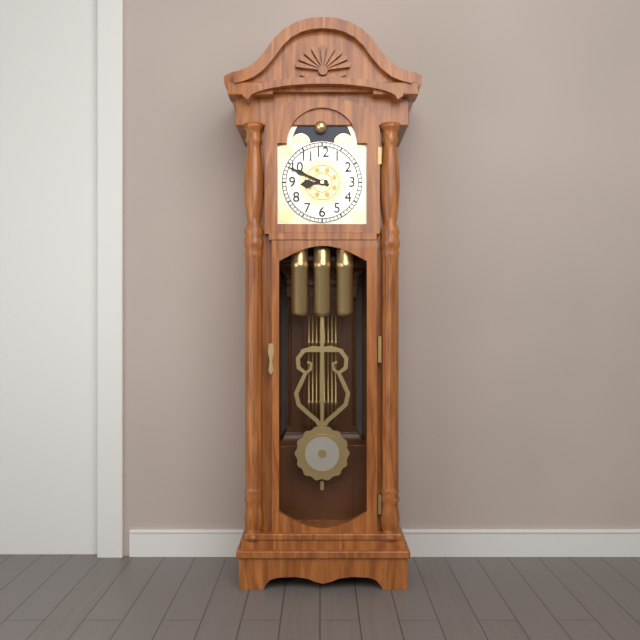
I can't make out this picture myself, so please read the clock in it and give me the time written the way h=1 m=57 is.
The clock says h=8 m=49
